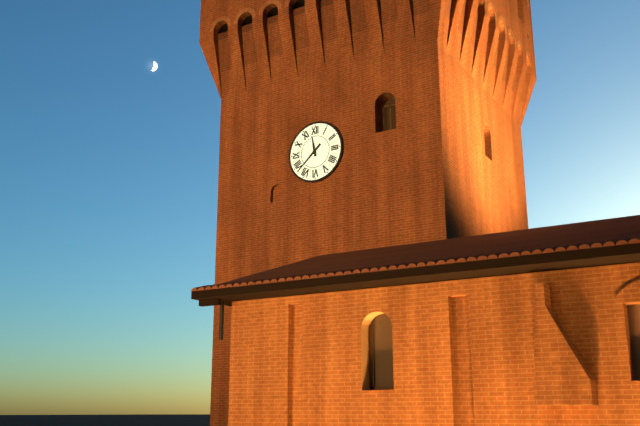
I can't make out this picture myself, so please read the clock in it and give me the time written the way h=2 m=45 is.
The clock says h=11 m=38
